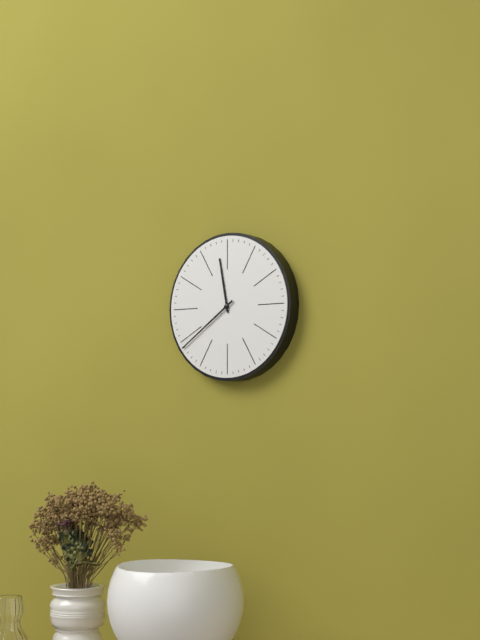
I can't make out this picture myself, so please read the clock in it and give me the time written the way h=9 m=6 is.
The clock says h=11 m=39
